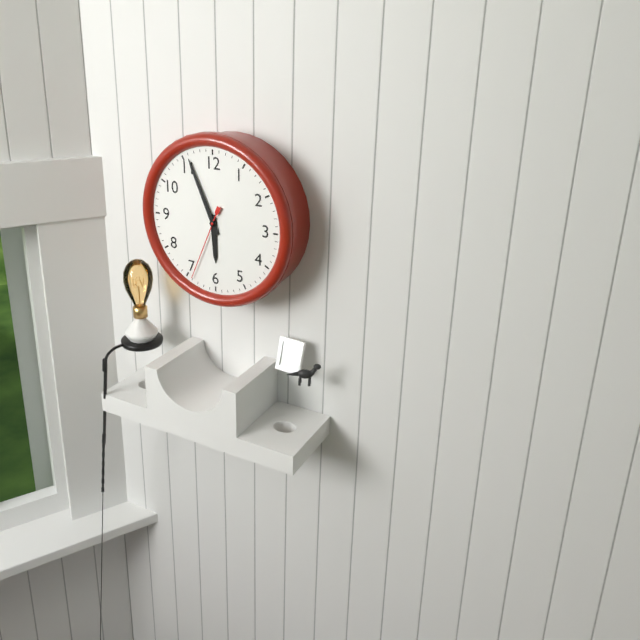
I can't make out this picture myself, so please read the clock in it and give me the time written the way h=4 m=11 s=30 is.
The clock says h=5 m=56 s=34
